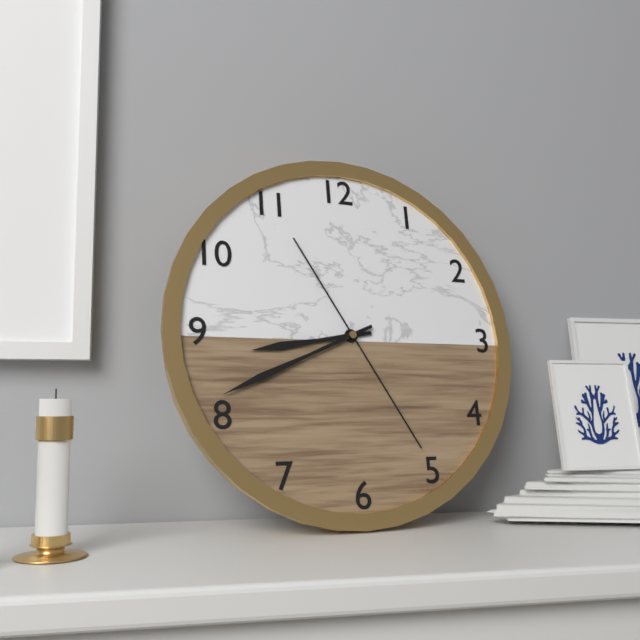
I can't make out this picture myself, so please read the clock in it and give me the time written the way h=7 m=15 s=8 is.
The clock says h=8 m=41 s=25
